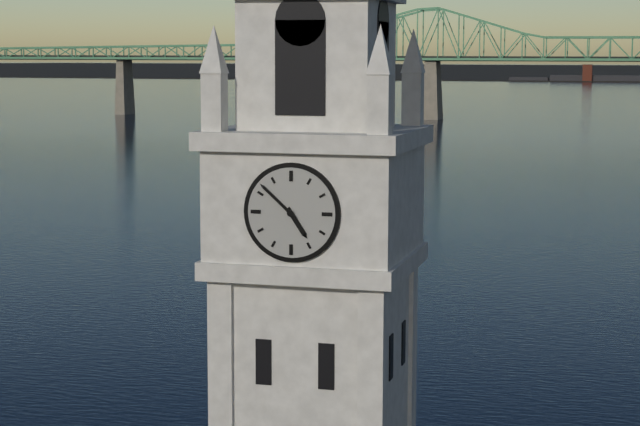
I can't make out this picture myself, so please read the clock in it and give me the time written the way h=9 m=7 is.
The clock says h=4 m=52
